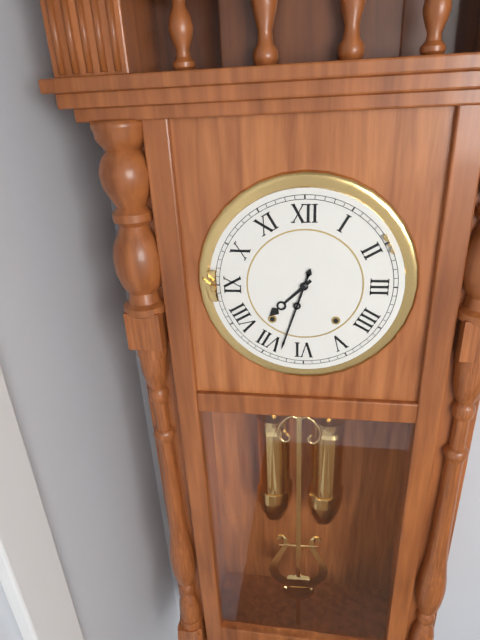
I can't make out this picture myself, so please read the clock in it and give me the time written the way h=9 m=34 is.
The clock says h=7 m=33
